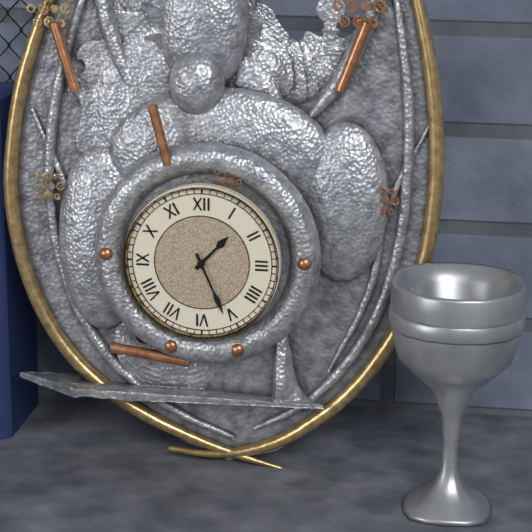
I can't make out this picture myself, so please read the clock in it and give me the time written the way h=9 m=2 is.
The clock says h=1 m=26
